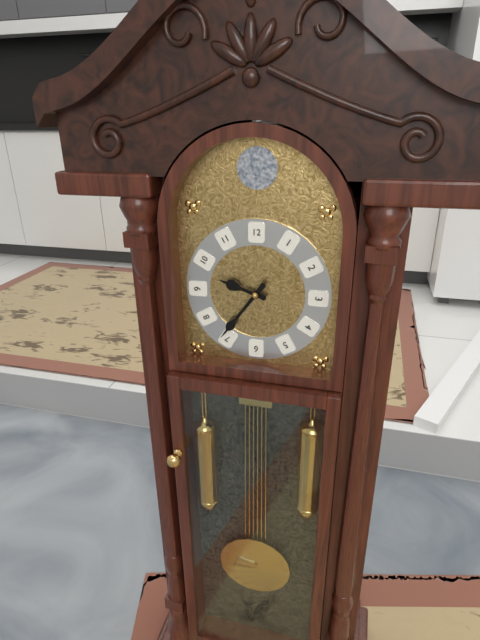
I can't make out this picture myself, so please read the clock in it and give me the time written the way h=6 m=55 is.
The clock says h=9 m=36
